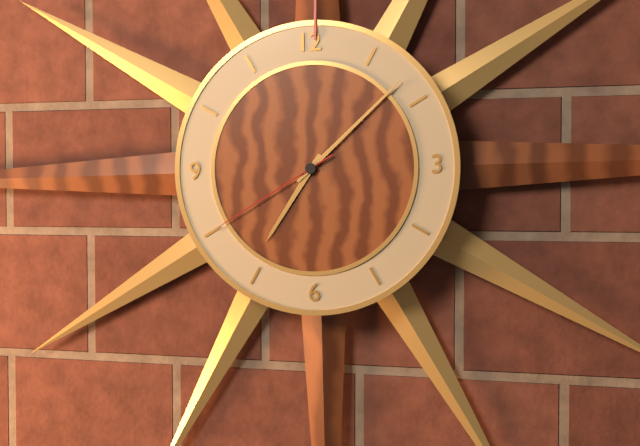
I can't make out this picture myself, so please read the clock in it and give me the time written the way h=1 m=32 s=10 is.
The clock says h=7 m=8 s=40
